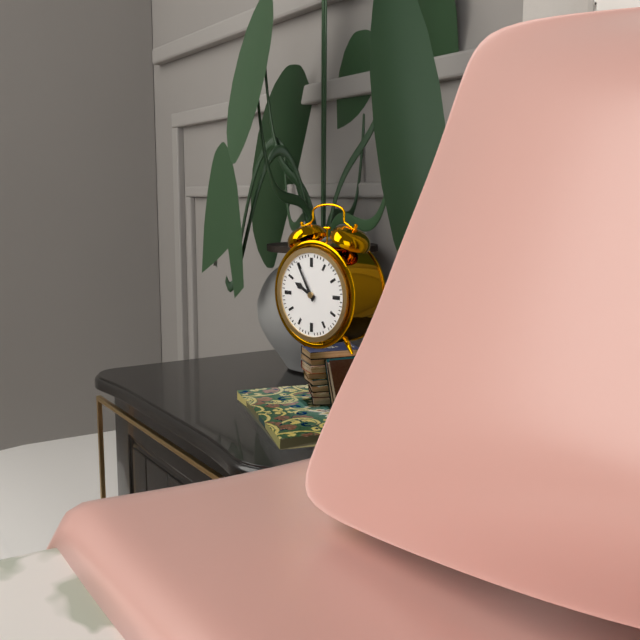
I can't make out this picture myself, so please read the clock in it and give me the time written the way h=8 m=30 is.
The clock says h=9 m=55
